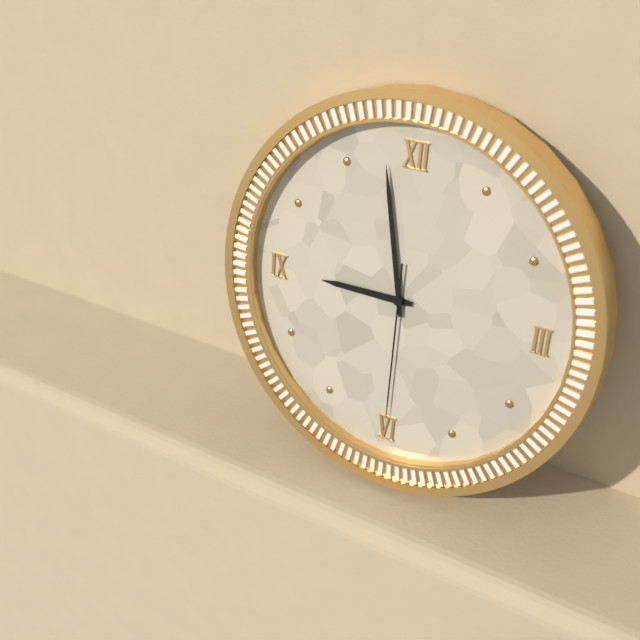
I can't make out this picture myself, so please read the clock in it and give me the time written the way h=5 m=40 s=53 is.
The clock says h=8 m=58 s=30
